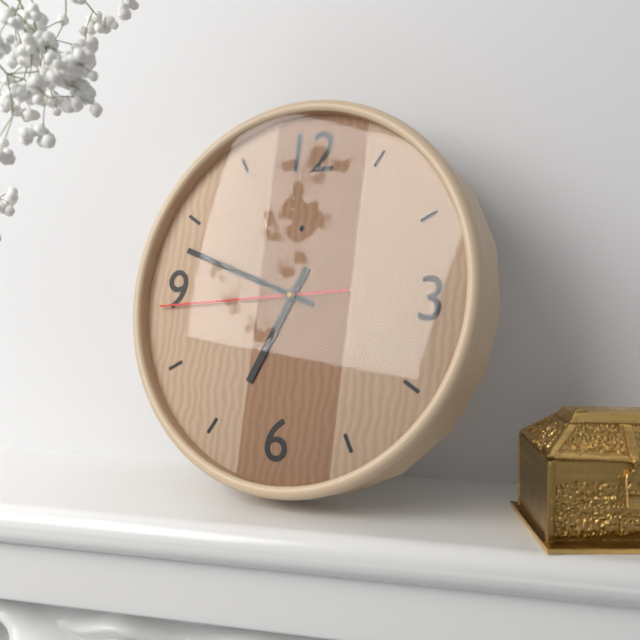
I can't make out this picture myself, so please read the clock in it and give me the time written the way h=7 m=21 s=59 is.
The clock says h=6 m=48 s=44
